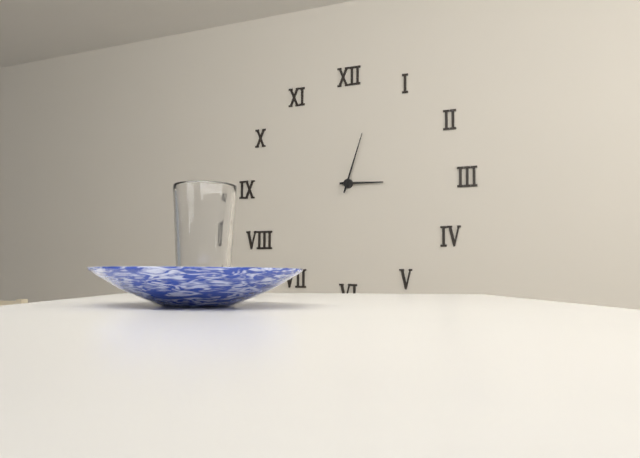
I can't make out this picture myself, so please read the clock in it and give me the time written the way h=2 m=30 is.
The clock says h=3 m=3
